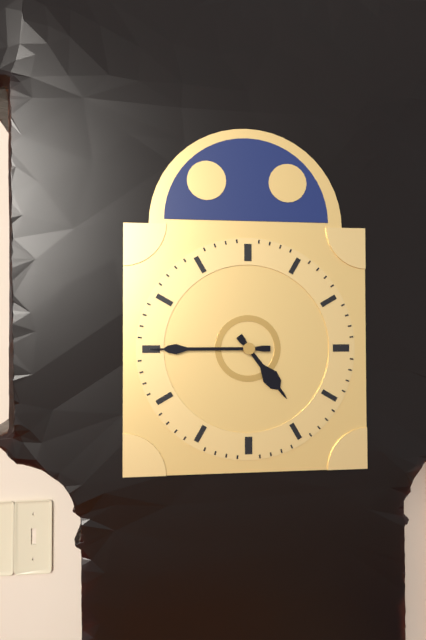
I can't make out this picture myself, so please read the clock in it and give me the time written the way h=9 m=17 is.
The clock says h=4 m=45
